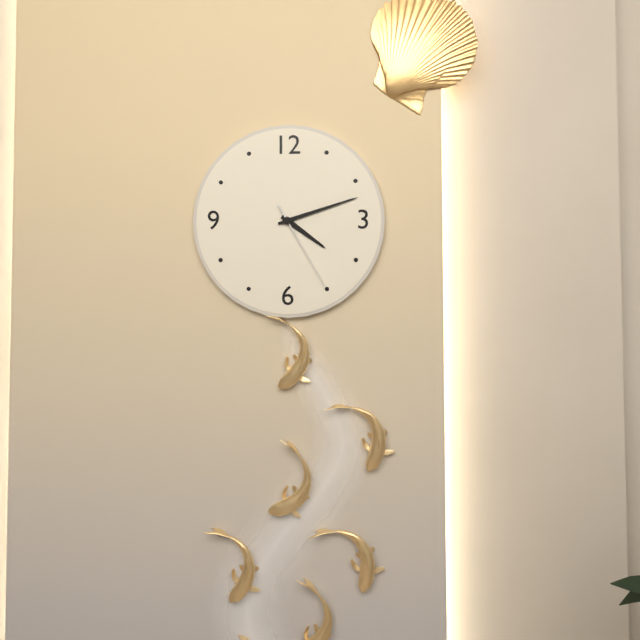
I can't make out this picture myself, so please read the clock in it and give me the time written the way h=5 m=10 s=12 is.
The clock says h=4 m=12 s=25
